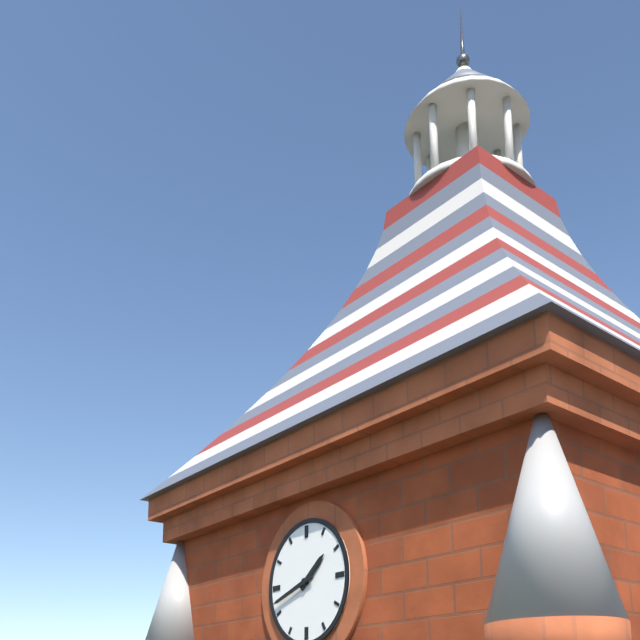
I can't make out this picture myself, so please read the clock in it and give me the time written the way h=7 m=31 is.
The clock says h=1 m=42
